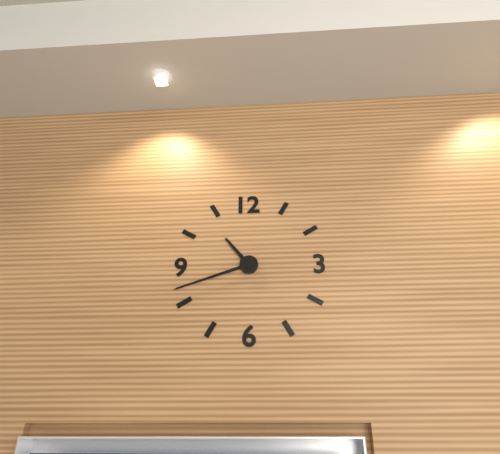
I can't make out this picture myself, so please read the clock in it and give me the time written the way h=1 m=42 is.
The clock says h=10 m=42
